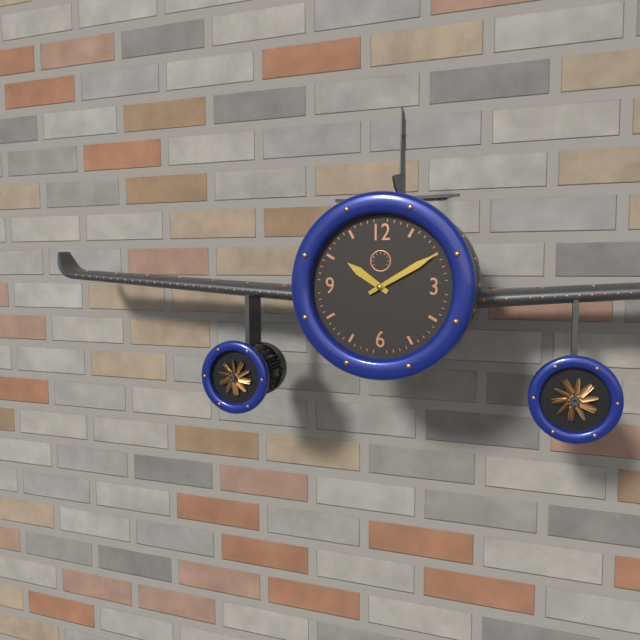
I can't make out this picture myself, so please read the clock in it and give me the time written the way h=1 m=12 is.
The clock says h=10 m=10
